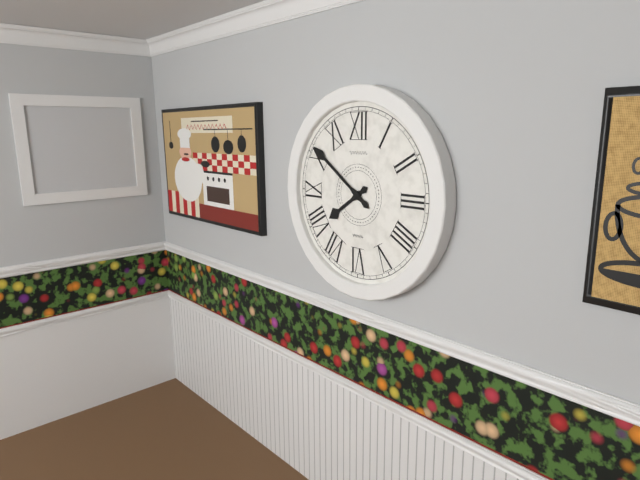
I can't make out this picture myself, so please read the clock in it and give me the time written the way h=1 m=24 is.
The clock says h=7 m=51
